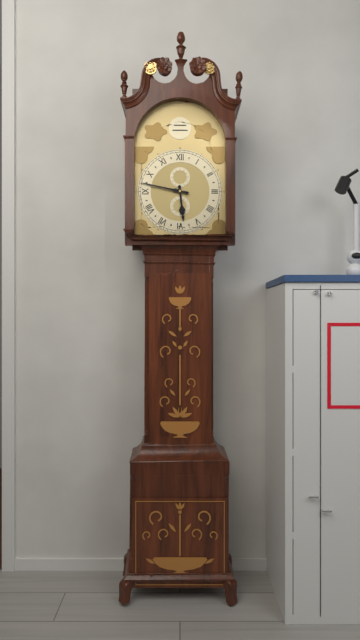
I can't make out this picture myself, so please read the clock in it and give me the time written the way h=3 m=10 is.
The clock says h=5 m=47
